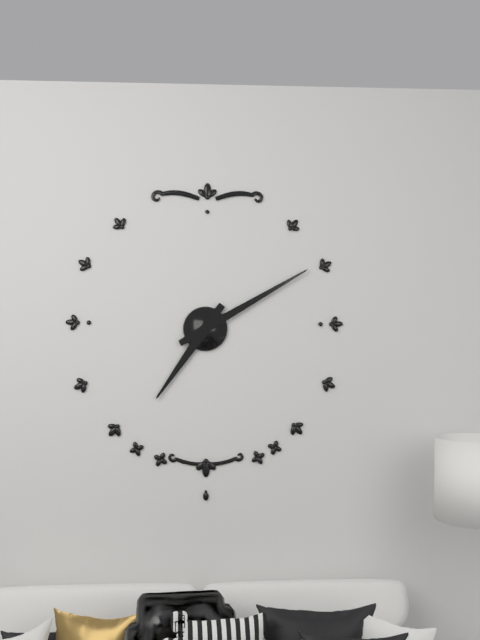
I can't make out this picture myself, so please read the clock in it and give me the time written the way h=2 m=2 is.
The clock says h=7 m=10
